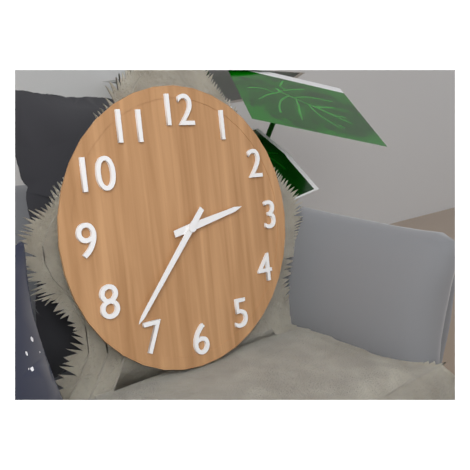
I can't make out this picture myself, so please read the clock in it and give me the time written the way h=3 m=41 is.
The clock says h=2 m=37
